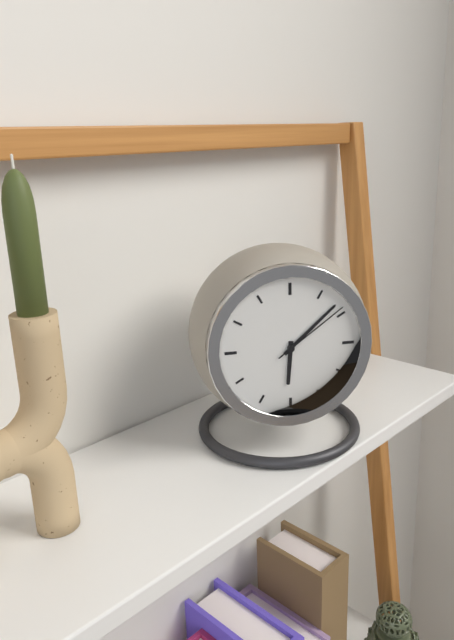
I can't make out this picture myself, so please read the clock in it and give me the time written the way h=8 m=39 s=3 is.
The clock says h=6 m=8 s=9
